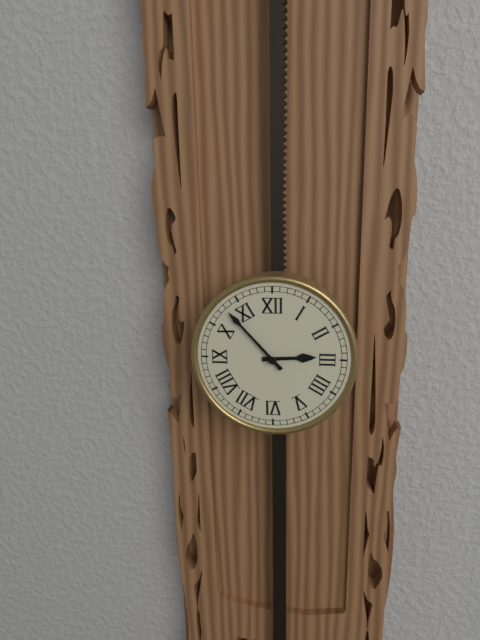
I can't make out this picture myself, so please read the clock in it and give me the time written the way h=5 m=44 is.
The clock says h=2 m=53
